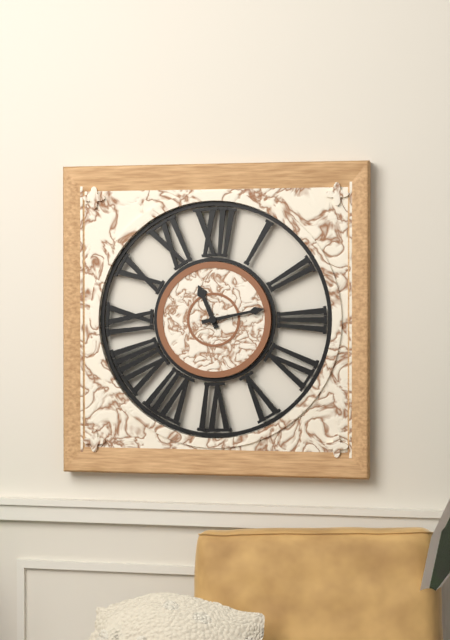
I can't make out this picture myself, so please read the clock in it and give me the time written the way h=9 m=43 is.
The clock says h=11 m=13
